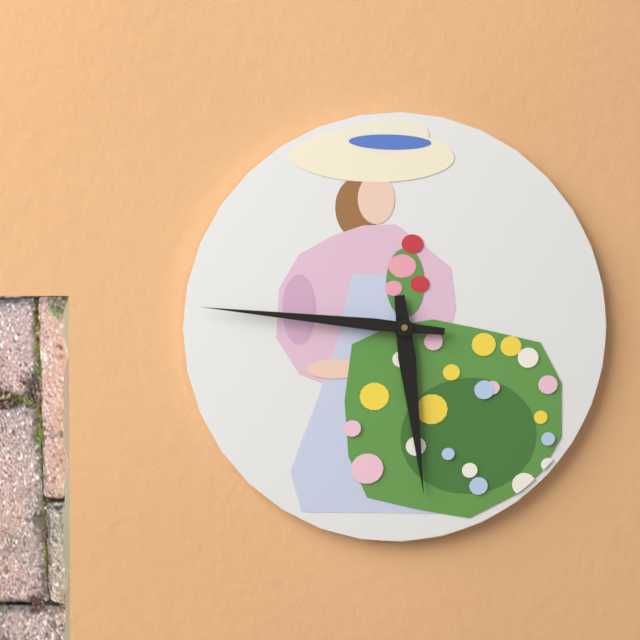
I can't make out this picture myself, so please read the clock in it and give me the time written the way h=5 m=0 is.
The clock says h=5 m=46
